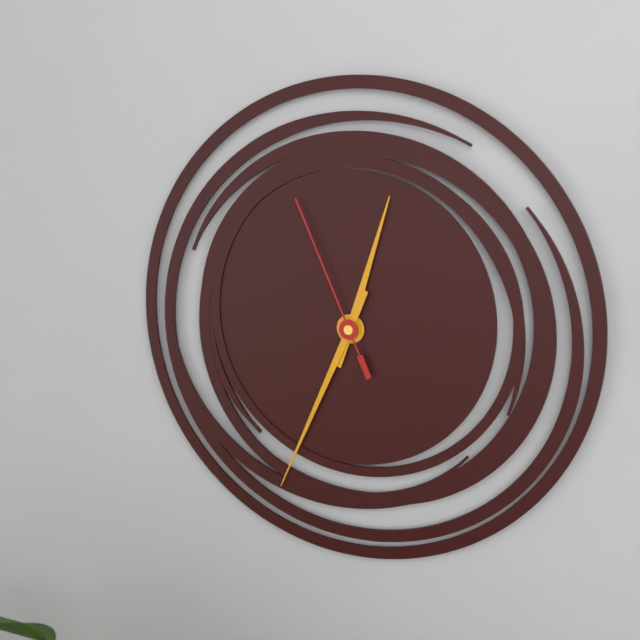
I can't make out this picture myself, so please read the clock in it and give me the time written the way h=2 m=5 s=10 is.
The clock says h=12 m=34 s=56
